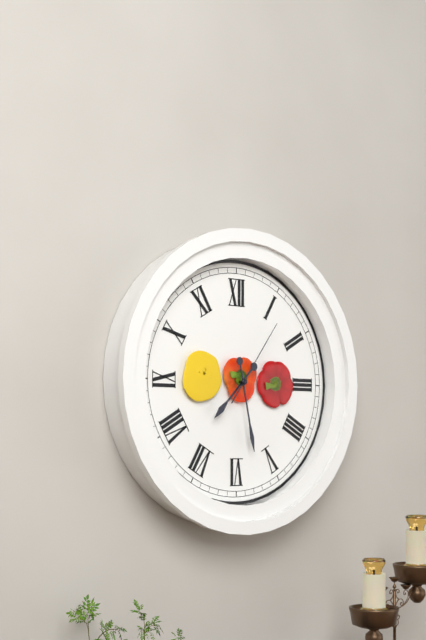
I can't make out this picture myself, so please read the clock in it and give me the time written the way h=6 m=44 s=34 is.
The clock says h=7 m=28 s=6
